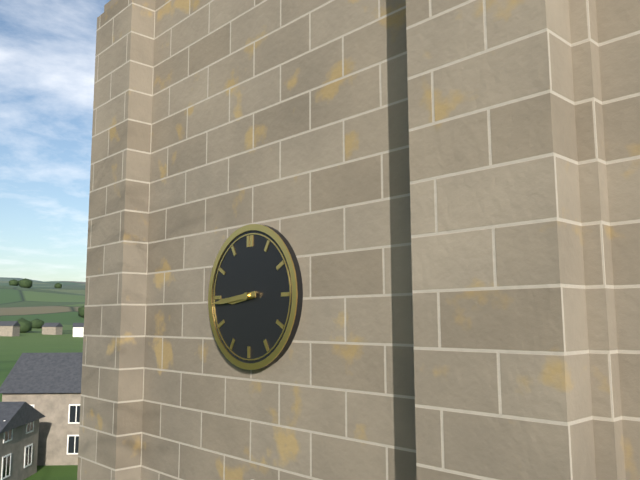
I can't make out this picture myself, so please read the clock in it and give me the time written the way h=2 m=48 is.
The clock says h=8 m=44
